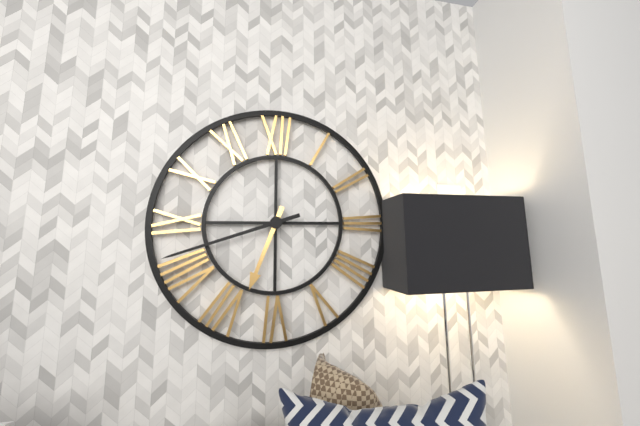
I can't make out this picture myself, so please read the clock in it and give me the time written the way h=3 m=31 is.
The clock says h=6 m=42
